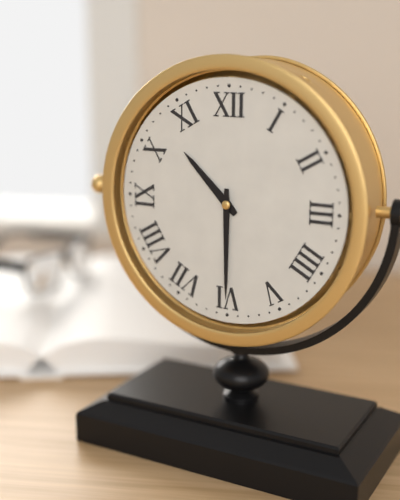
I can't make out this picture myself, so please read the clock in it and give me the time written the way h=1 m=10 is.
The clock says h=10 m=30
